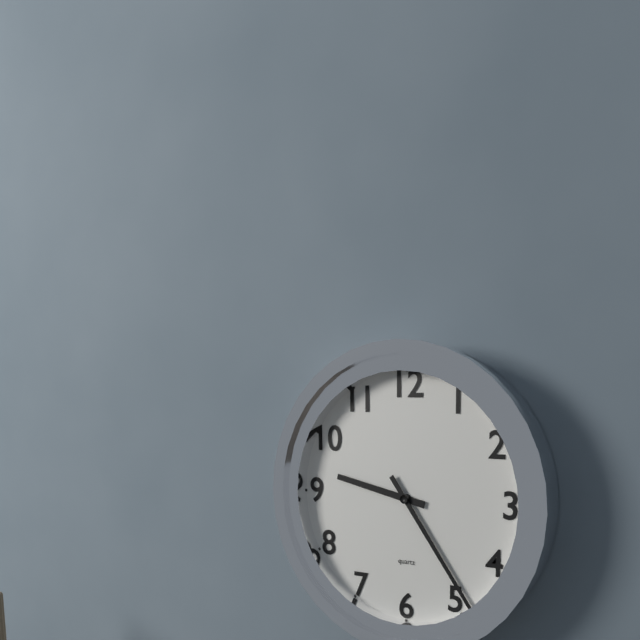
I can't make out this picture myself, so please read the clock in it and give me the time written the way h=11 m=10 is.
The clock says h=9 m=24
